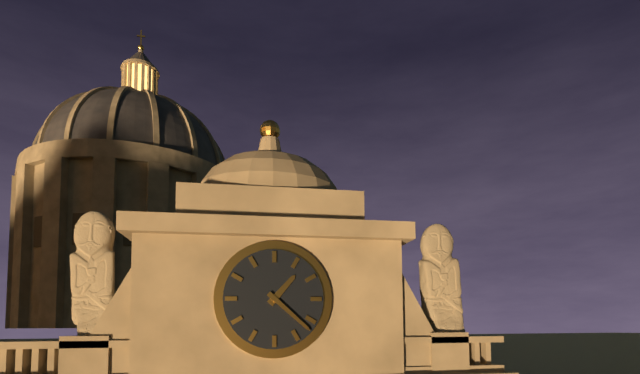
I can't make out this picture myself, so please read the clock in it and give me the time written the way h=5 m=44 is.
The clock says h=1 m=22
